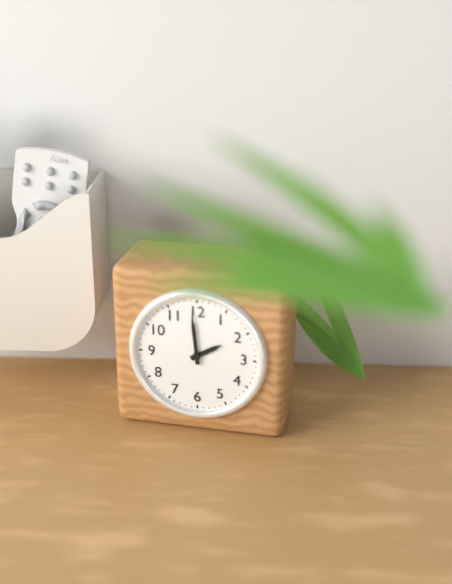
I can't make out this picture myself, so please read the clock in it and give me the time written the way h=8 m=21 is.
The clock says h=1 m=59
